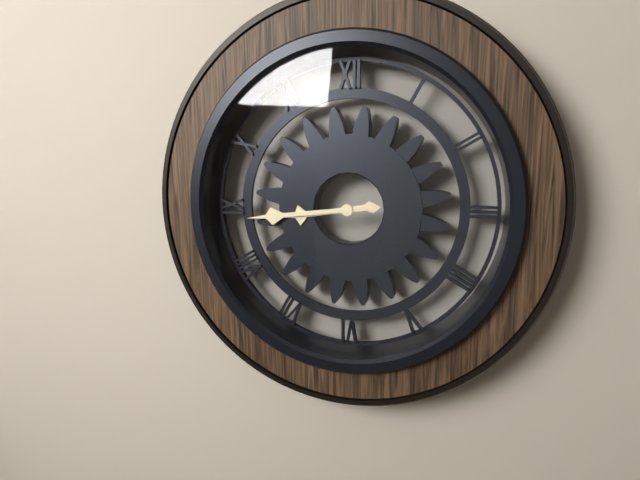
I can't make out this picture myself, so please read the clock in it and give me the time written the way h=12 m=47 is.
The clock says h=8 m=44
